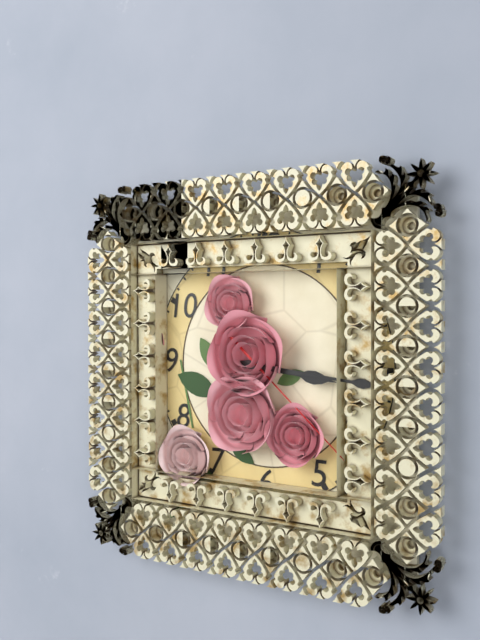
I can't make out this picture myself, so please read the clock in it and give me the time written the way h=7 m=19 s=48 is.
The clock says h=3 m=16 s=22
